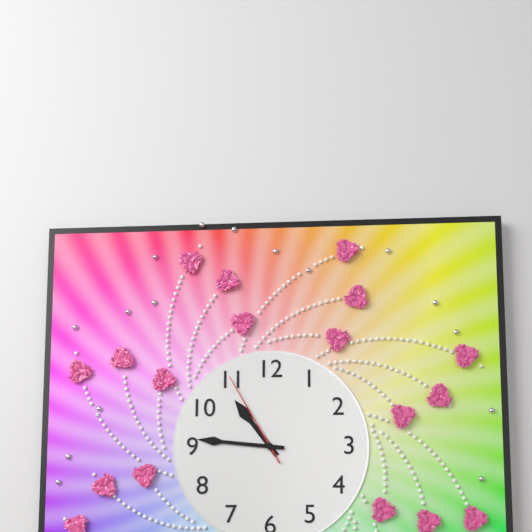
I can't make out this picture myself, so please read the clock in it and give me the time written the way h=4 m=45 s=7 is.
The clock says h=10 m=46 s=55
